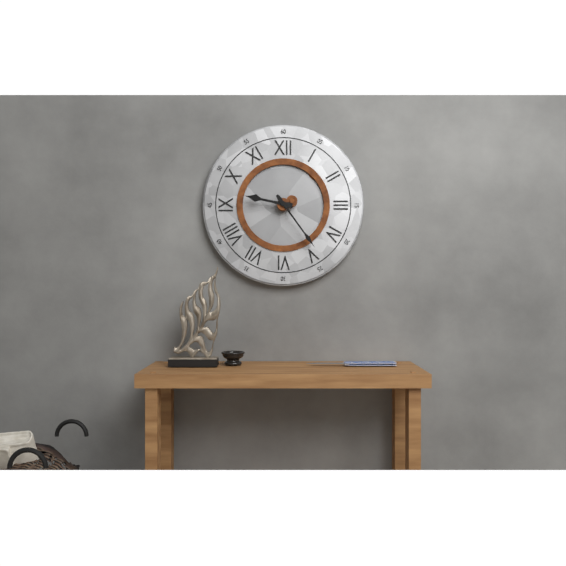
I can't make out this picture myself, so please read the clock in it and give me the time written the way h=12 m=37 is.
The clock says h=9 m=24
